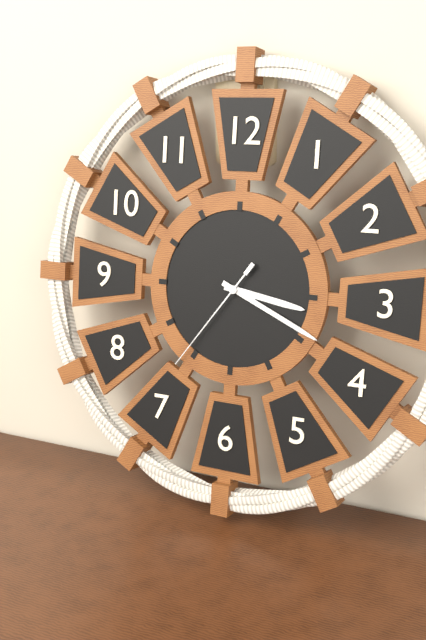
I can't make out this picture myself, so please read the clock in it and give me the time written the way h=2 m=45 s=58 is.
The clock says h=3 m=19 s=36
